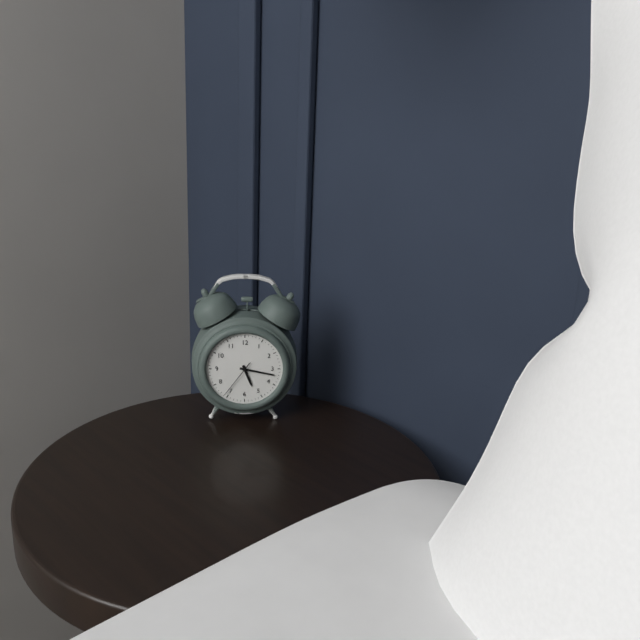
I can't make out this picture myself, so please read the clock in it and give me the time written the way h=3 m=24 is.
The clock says h=5 m=17
